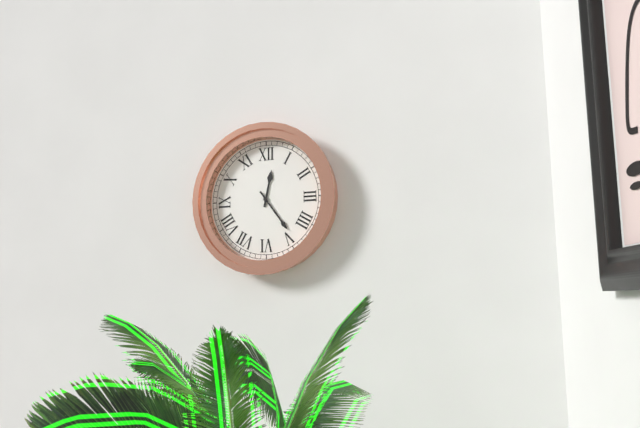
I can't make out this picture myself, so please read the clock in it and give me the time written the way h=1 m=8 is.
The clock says h=12 m=24
